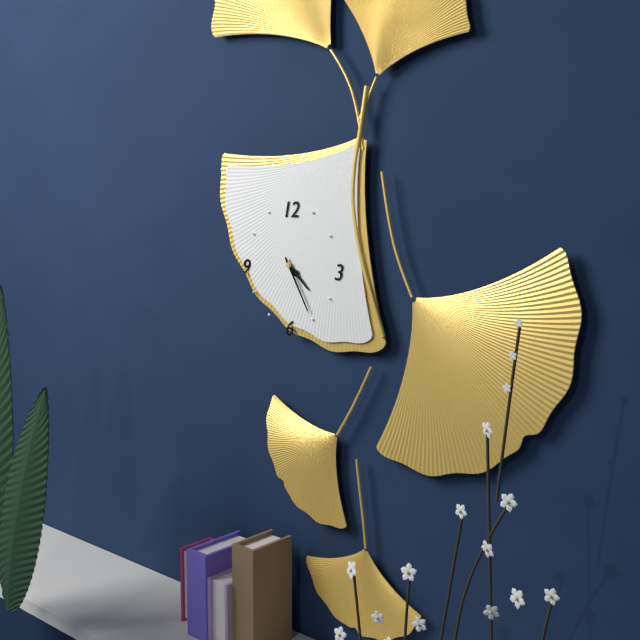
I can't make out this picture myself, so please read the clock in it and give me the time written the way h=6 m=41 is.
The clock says h=4 m=25
